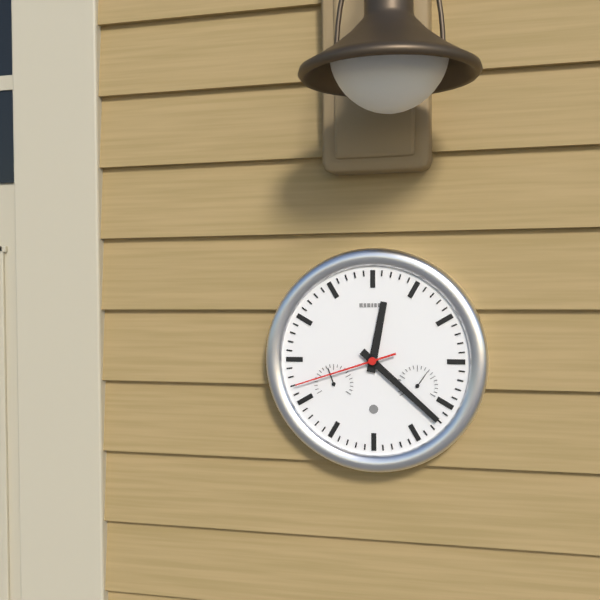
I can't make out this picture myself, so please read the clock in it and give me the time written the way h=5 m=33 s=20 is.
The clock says h=12 m=22 s=42
